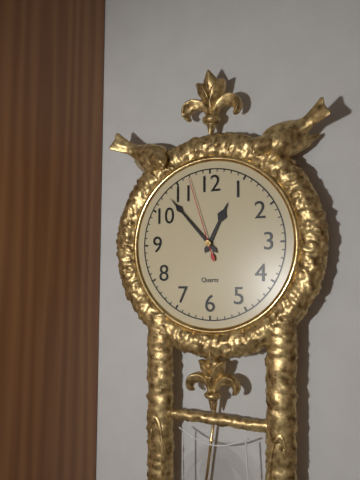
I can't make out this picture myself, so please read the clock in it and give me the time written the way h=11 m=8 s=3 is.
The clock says h=12 m=53 s=57
